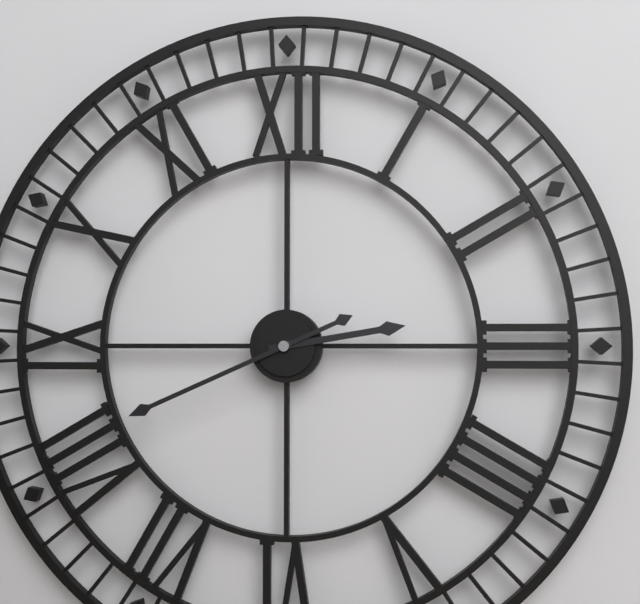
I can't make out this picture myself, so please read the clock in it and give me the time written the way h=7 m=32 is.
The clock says h=2 m=41
